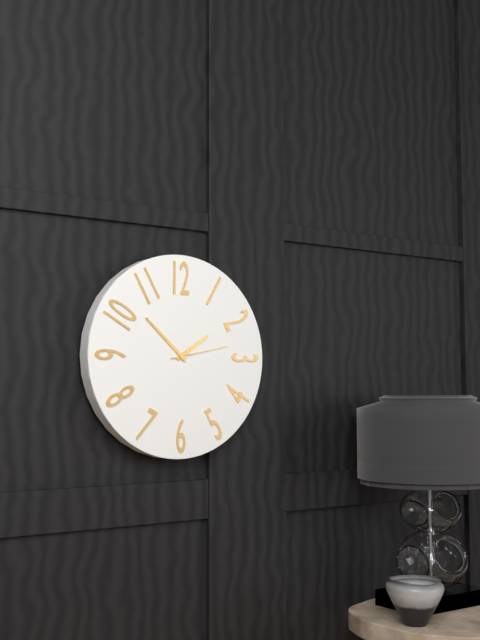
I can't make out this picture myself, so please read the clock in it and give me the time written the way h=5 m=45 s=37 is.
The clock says h=1 m=52 s=13
